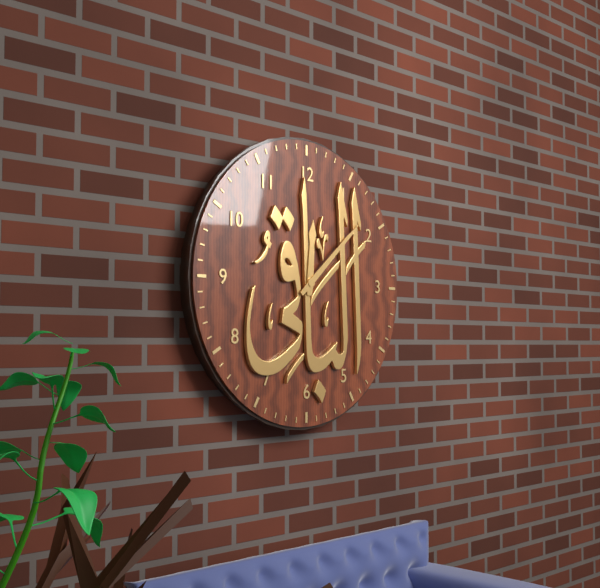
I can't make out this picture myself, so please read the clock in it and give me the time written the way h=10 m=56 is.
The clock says h=12 m=8
